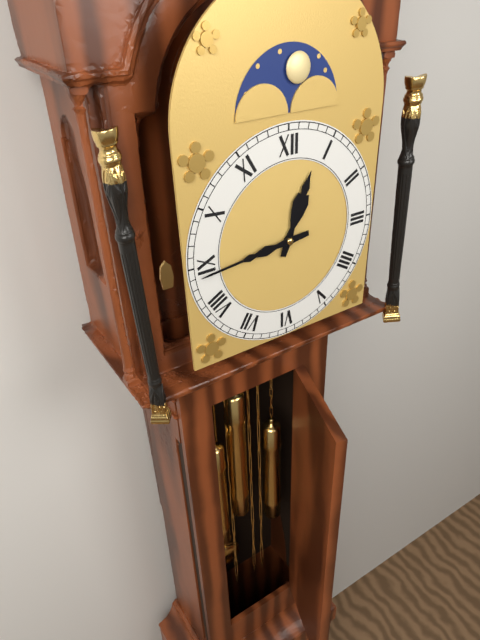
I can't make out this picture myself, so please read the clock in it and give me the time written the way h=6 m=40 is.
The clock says h=12 m=44
